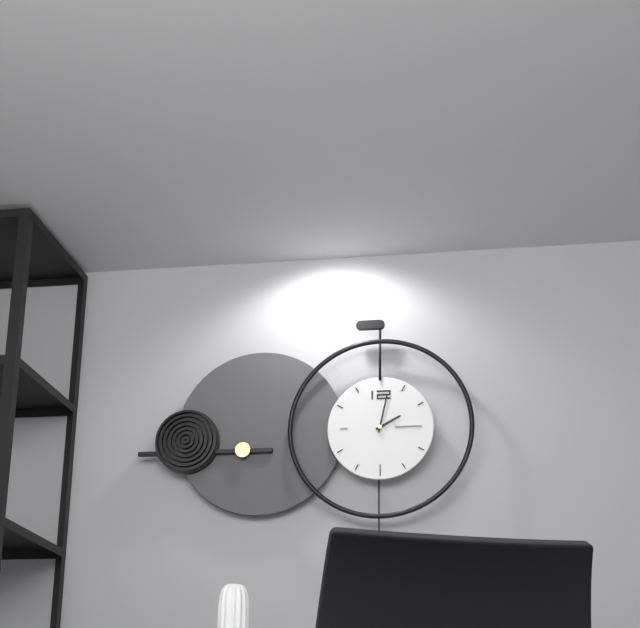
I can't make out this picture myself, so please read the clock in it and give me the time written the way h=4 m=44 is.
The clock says h=2 m=2
